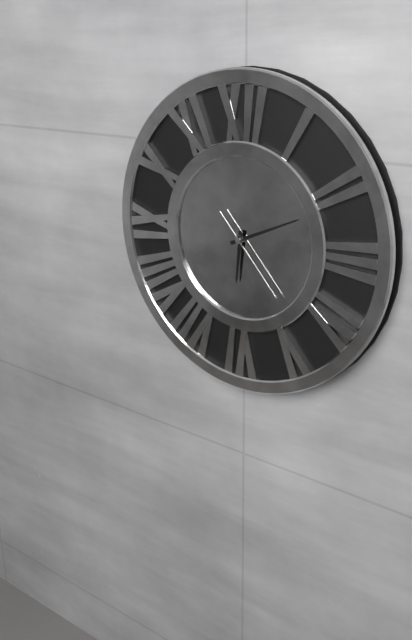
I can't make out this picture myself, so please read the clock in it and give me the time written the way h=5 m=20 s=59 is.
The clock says h=6 m=11 s=23
